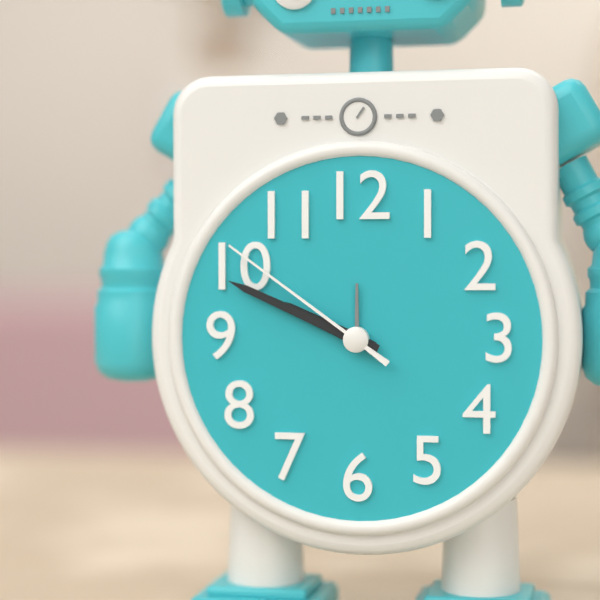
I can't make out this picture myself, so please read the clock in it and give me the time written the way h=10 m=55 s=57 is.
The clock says h=9 m=49 s=51
